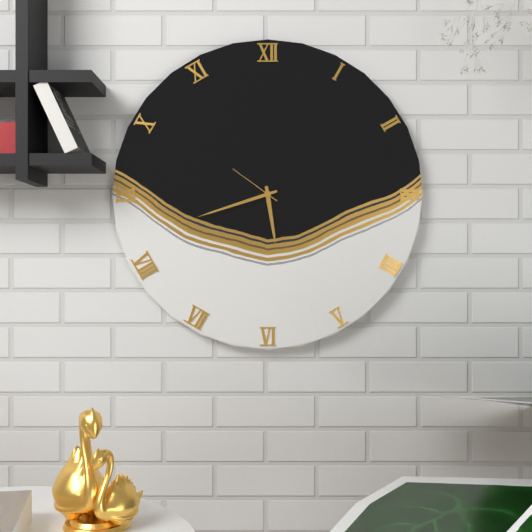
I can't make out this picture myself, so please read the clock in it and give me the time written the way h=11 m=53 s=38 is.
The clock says h=5 m=42 s=51
